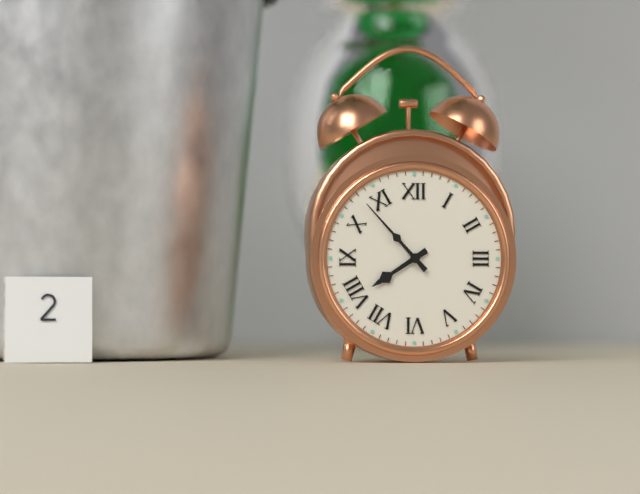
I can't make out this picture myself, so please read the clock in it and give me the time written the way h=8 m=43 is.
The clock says h=7 m=53
